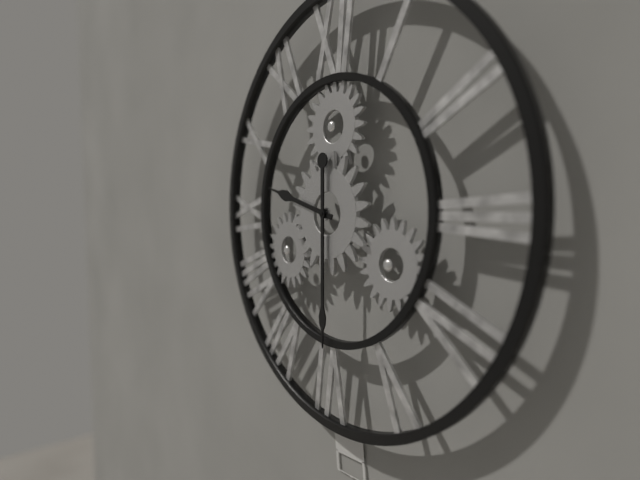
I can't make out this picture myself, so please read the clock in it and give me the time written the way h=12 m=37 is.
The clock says h=9 m=30
